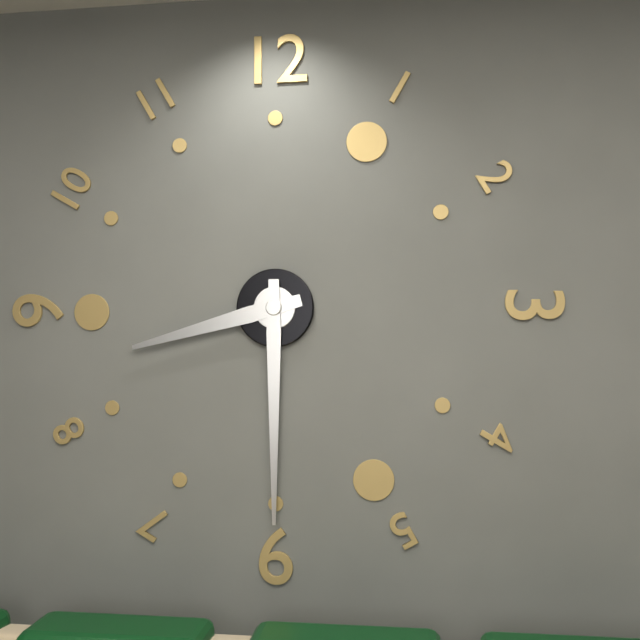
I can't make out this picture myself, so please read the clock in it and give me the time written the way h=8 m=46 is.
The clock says h=8 m=30
